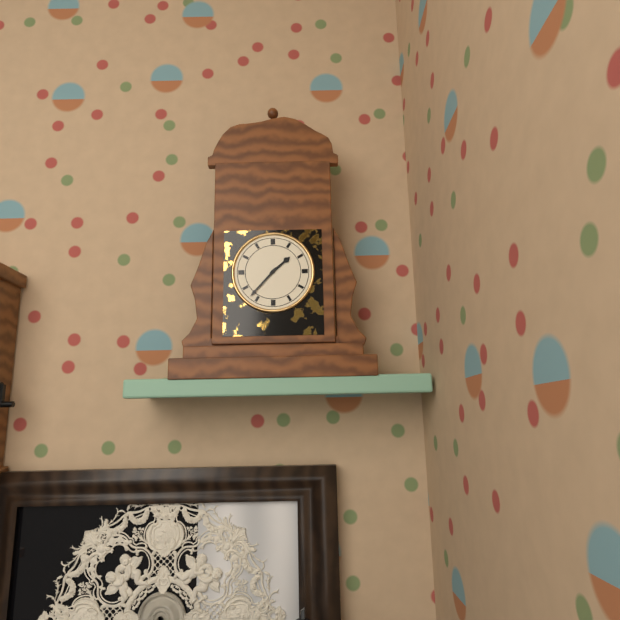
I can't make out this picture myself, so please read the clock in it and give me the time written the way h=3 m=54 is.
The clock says h=1 m=37
